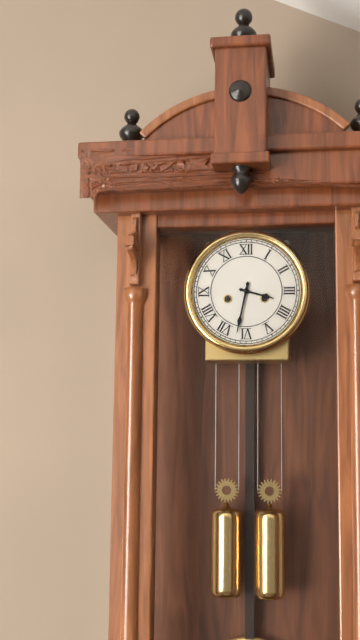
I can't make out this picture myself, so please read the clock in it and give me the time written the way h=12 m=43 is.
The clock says h=3 m=32
